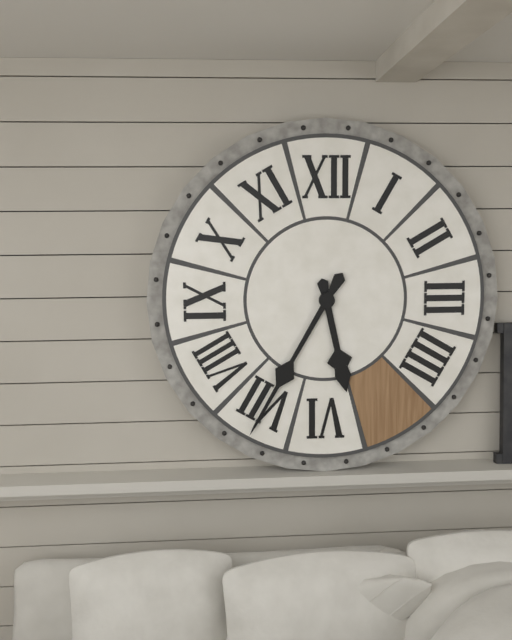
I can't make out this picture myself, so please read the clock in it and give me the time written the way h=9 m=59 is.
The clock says h=5 m=35
